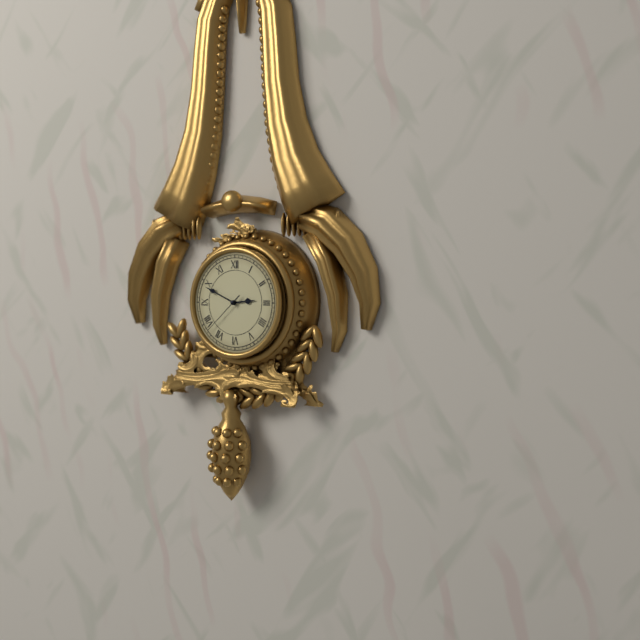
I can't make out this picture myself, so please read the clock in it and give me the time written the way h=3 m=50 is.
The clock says h=2 m=49
